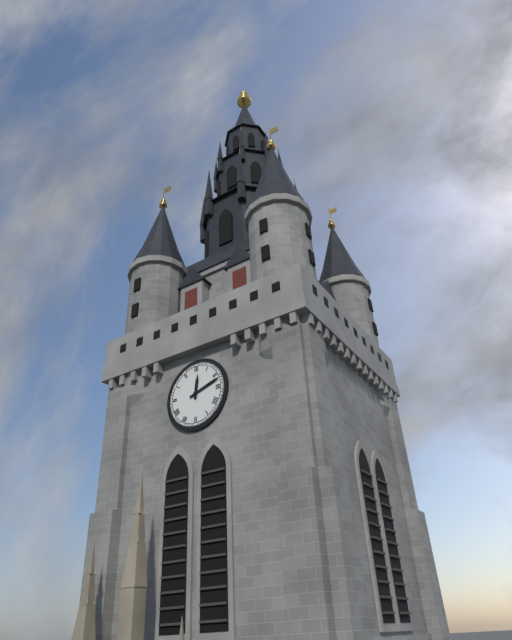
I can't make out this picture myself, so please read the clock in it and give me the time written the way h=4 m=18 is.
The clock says h=12 m=12
